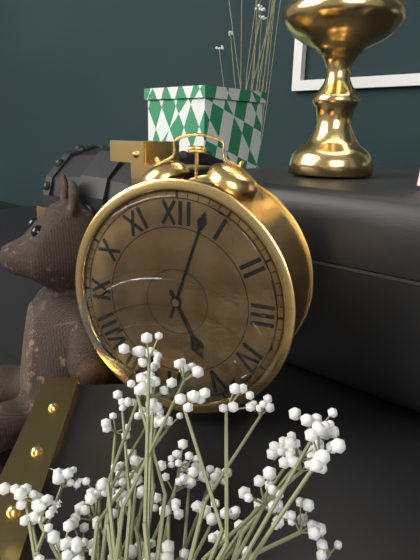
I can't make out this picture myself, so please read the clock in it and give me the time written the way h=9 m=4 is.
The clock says h=5 m=3
